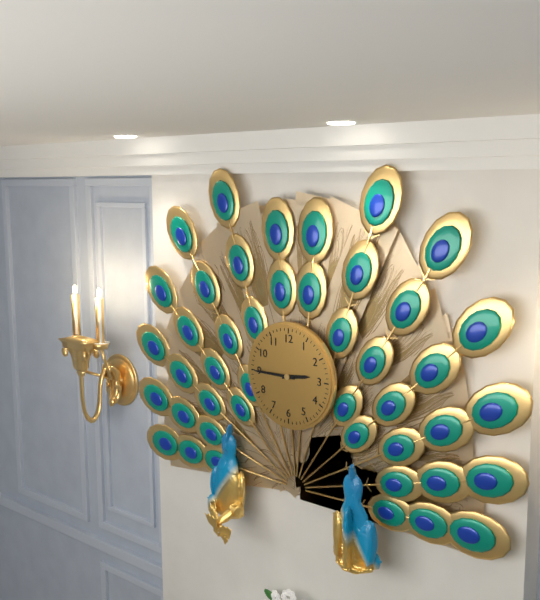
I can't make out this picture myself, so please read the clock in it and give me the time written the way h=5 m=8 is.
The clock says h=2 m=45
